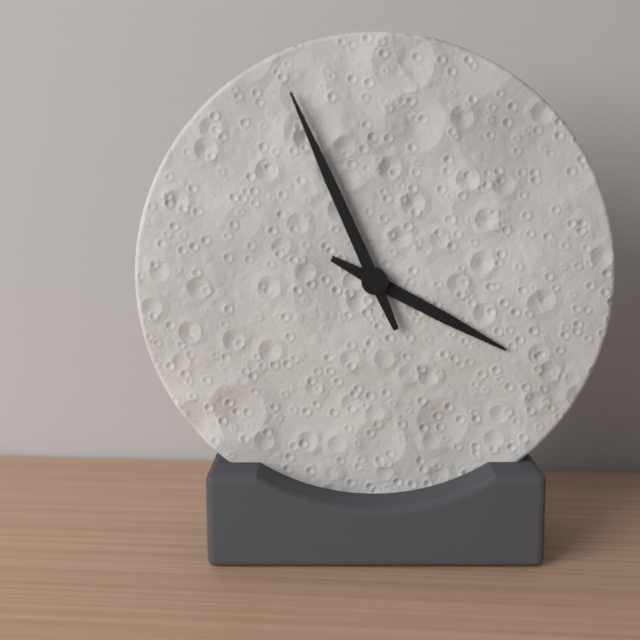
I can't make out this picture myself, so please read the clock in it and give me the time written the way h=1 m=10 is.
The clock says h=3 m=56
